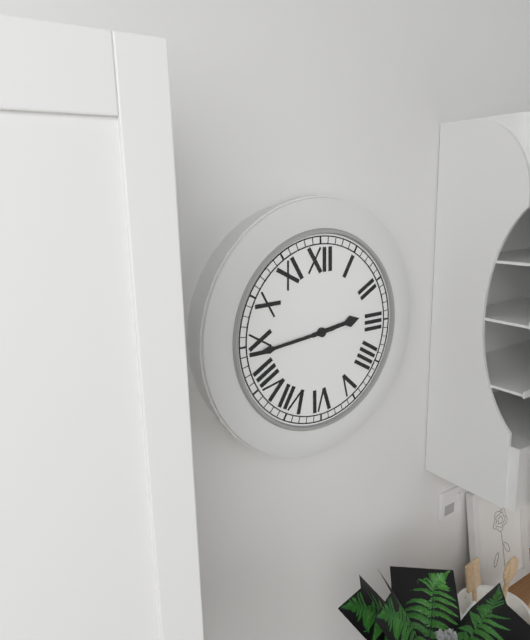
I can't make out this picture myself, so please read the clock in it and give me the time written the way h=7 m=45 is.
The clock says h=2 m=44
